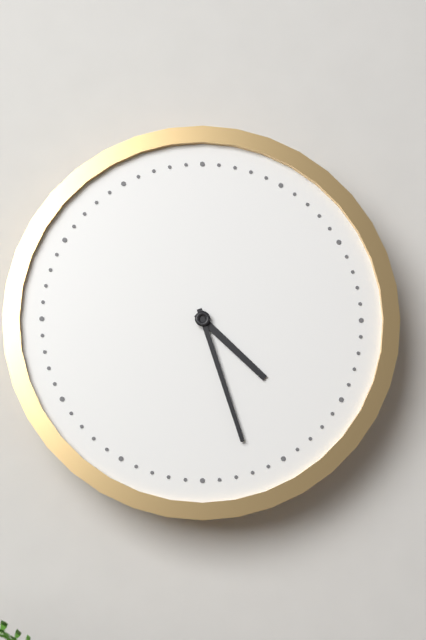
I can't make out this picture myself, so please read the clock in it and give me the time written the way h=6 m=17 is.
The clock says h=4 m=27
